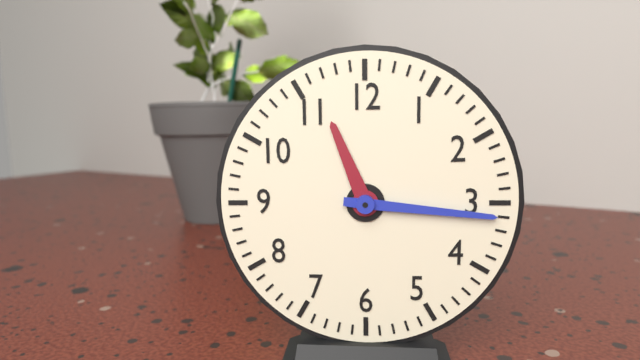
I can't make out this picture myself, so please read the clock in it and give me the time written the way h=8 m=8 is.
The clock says h=11 m=16
